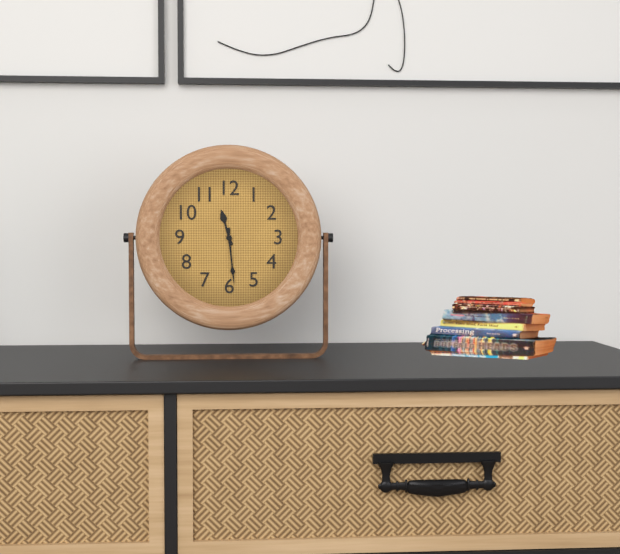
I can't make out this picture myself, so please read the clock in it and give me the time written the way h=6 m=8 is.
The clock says h=11 m=29
